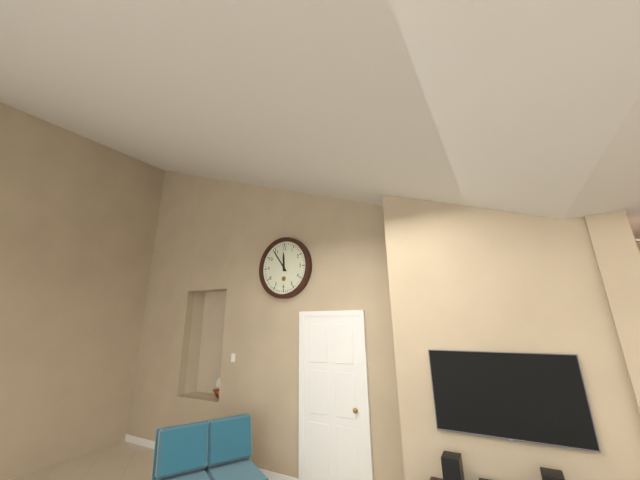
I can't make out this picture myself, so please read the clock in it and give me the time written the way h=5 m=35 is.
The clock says h=11 m=54
